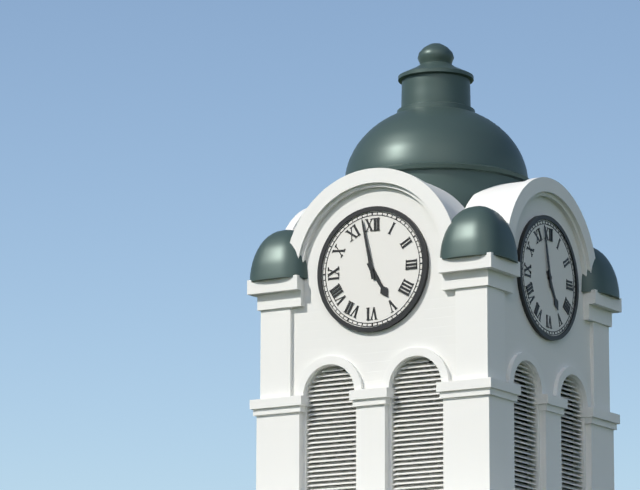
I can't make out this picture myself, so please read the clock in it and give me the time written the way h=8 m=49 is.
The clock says h=4 m=58
